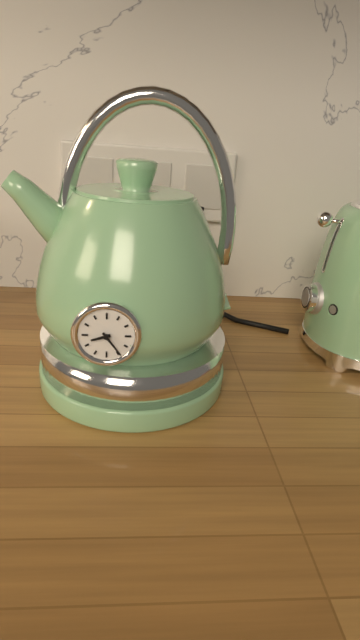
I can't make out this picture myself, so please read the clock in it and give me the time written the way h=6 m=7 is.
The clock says h=8 m=24
